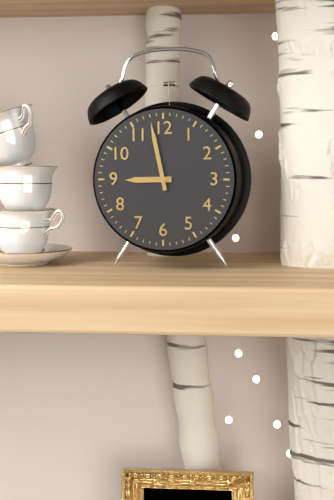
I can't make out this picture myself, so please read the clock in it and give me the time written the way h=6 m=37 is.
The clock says h=8 m=58
